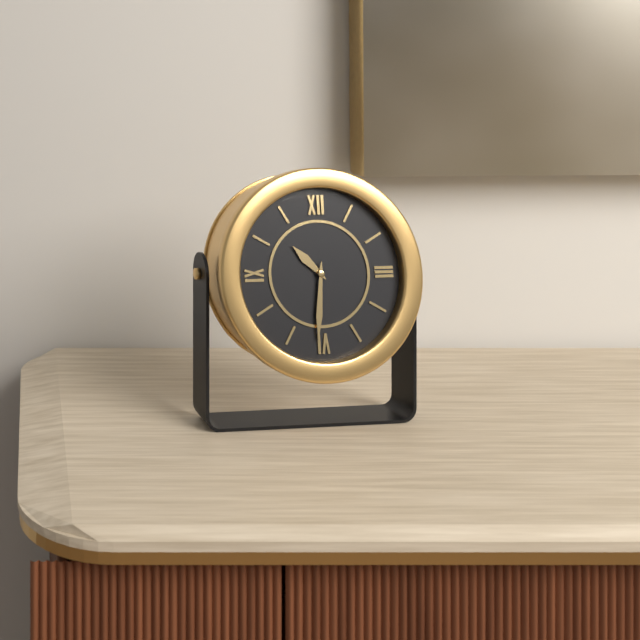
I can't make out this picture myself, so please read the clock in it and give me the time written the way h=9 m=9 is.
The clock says h=10 m=31
